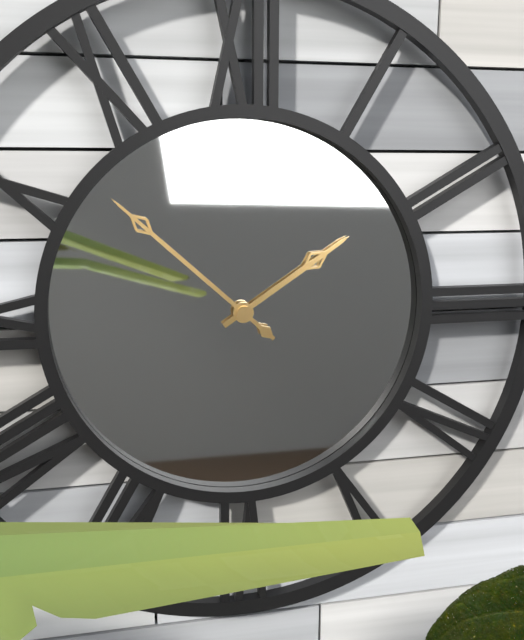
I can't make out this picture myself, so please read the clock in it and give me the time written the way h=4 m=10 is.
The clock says h=1 m=52
